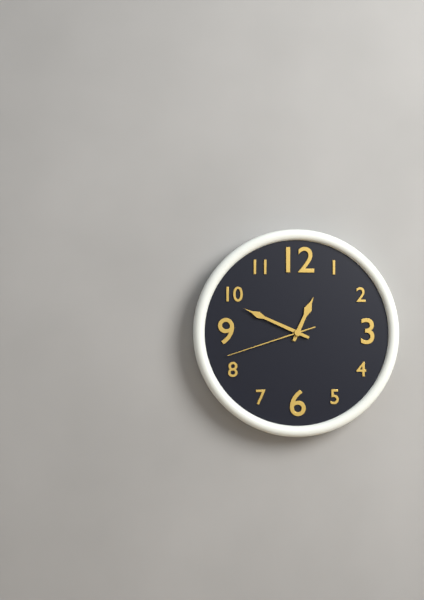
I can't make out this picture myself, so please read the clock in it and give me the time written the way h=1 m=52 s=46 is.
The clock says h=12 m=49 s=42
